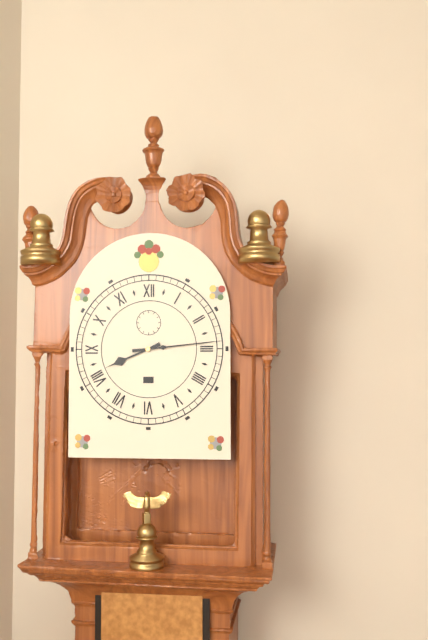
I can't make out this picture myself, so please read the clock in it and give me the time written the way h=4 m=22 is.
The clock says h=8 m=14
